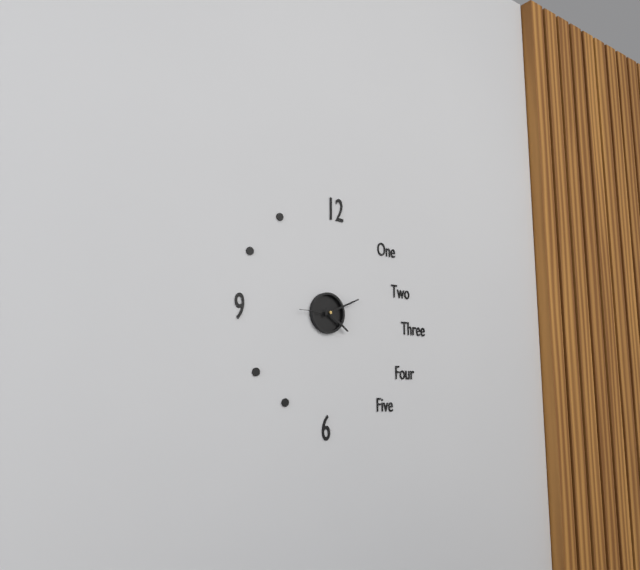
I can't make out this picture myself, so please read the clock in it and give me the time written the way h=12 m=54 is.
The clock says h=4 m=11
